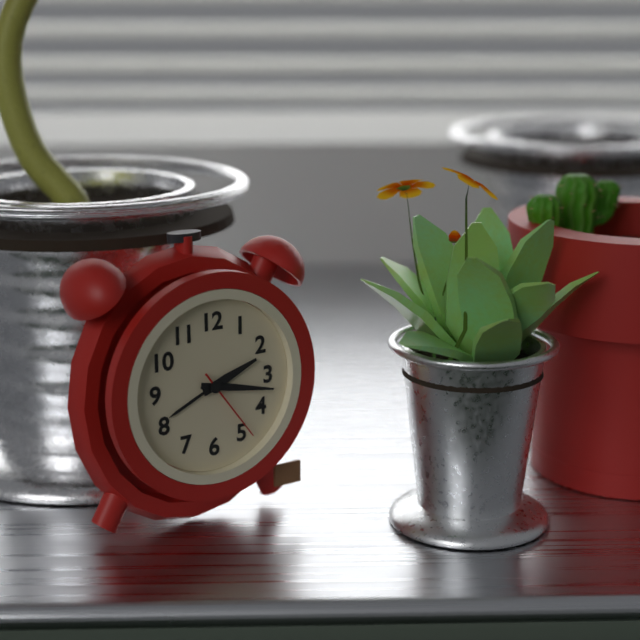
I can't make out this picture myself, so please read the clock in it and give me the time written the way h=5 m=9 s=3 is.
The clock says h=2 m=17 s=24
